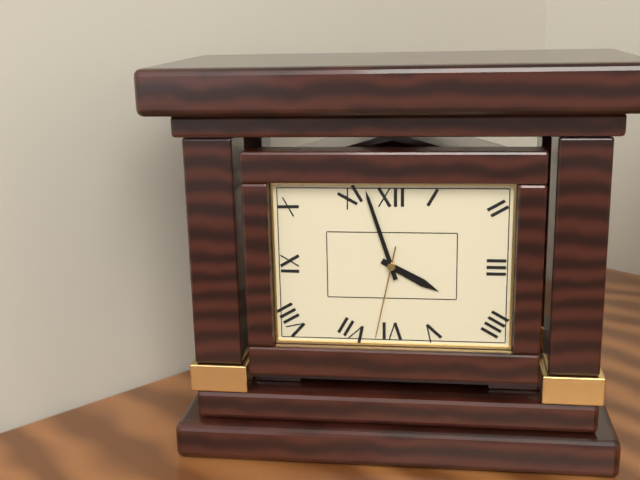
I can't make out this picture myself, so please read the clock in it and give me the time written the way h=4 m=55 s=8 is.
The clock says h=3 m=57 s=32
